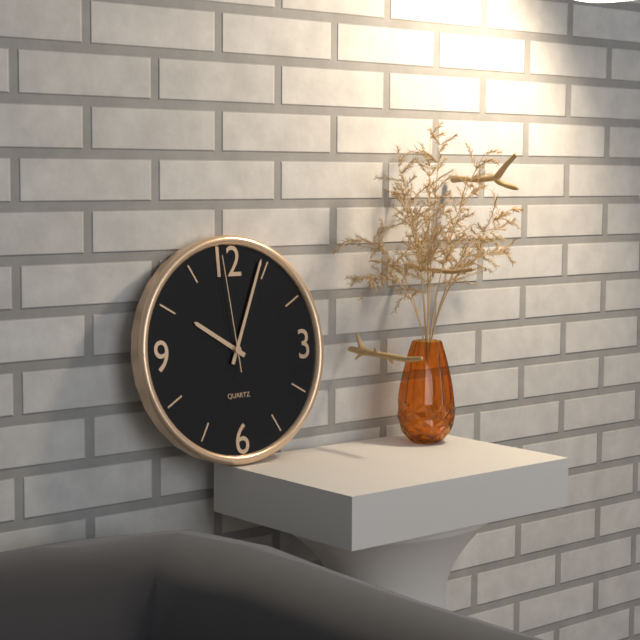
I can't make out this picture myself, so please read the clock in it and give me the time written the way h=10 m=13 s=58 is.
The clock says h=10 m=4 s=59
